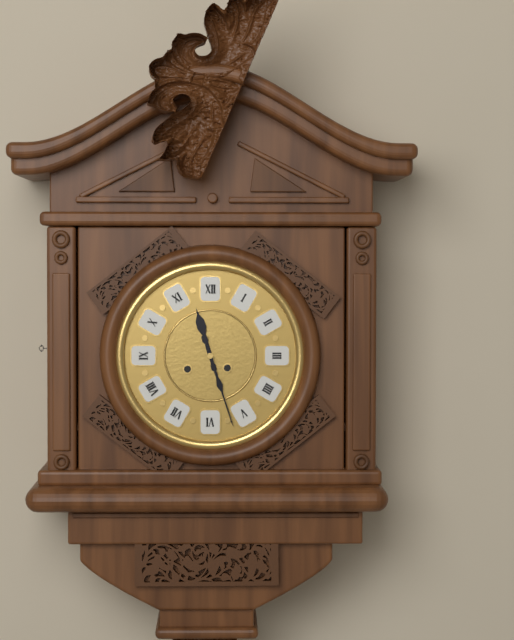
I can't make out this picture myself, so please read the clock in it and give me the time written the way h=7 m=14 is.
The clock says h=11 m=27
